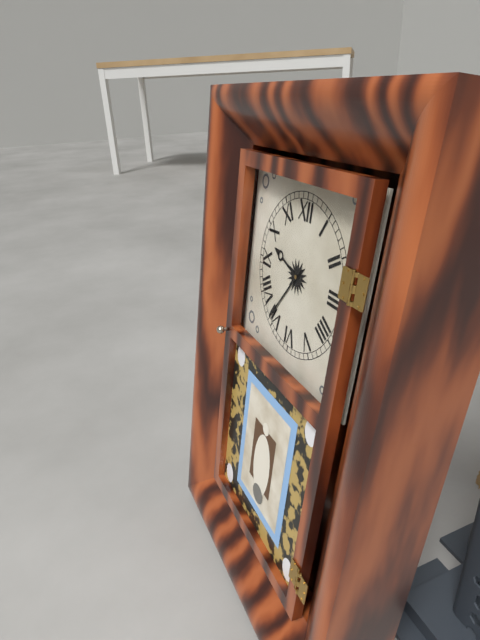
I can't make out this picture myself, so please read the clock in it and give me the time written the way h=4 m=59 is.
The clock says h=9 m=36
